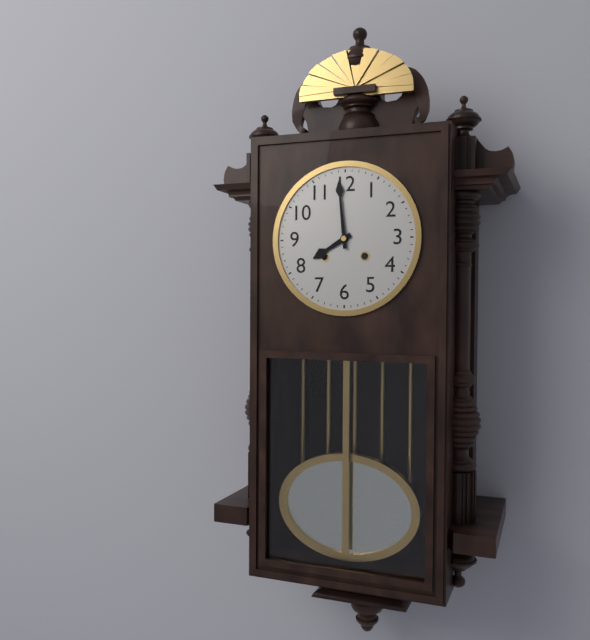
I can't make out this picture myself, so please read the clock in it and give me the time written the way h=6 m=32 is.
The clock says h=7 m=59
